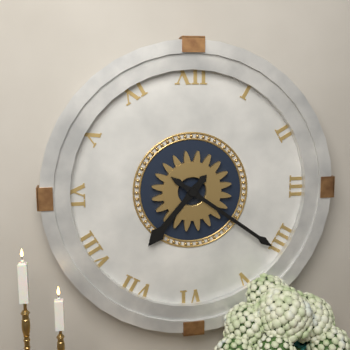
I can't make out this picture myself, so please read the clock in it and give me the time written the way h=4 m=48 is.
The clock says h=7 m=21
